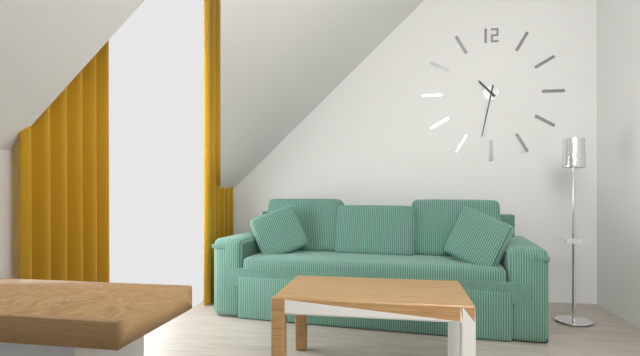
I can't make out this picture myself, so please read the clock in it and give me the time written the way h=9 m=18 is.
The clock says h=10 m=32
